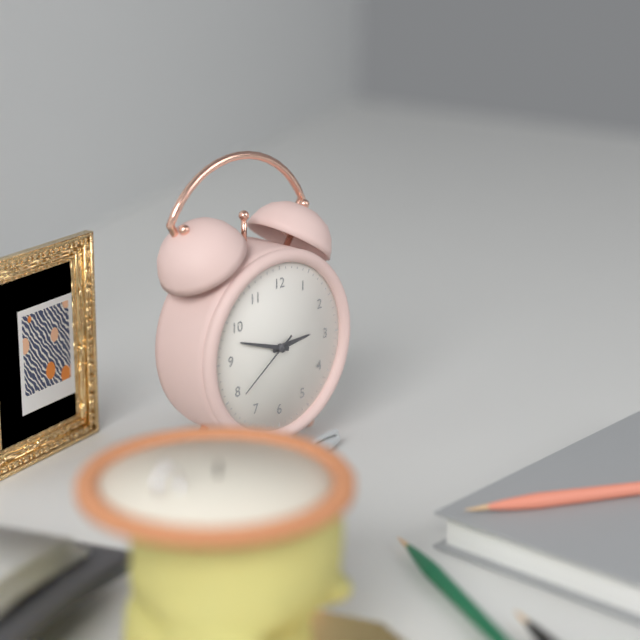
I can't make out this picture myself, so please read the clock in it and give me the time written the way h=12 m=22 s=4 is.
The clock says h=2 m=48 s=39
